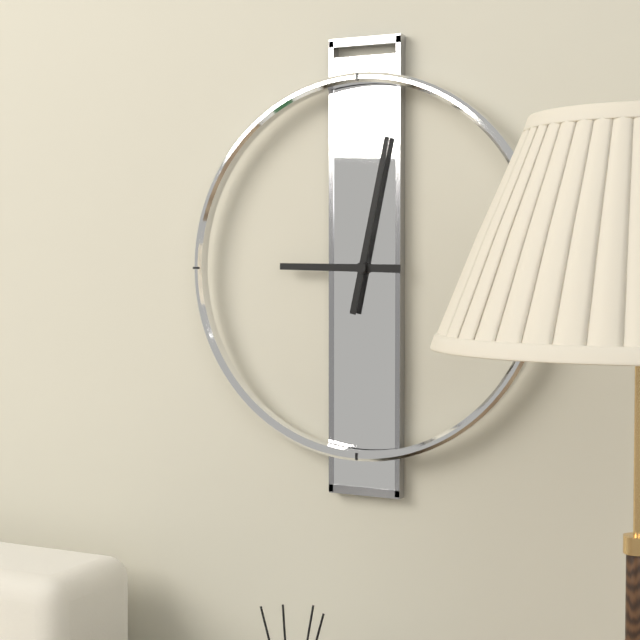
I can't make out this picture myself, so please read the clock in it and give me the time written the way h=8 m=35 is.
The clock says h=9 m=2
